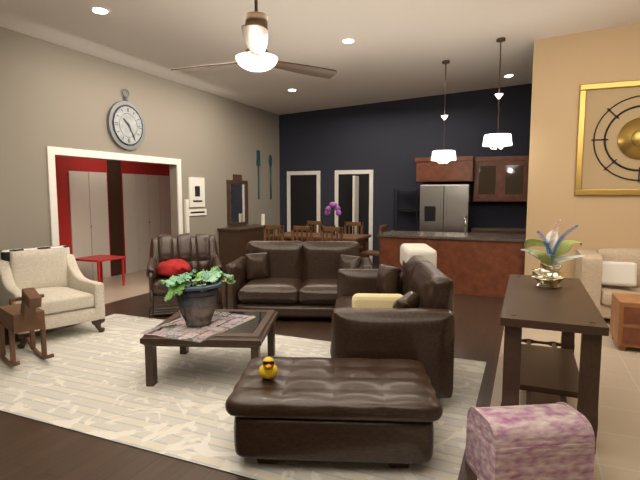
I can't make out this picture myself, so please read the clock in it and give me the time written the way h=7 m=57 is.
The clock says h=10 m=25
